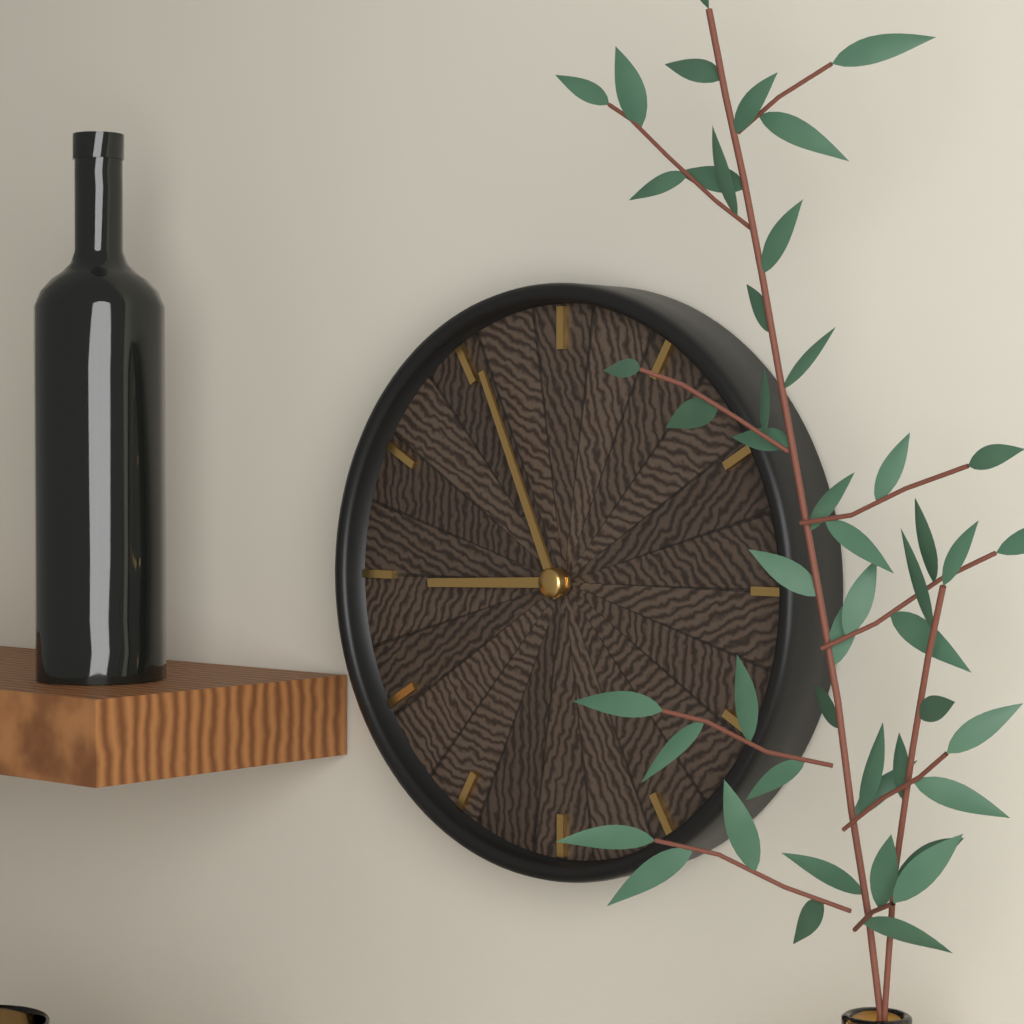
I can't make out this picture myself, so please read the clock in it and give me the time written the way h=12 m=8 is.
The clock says h=8 m=56
